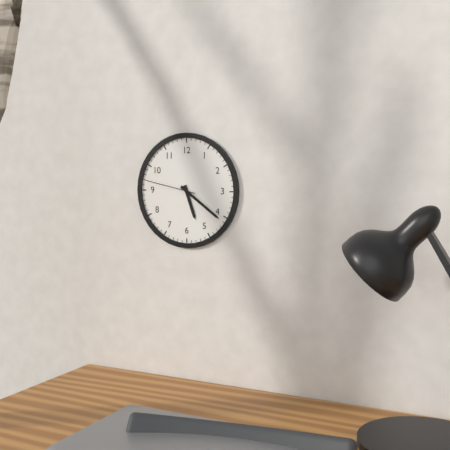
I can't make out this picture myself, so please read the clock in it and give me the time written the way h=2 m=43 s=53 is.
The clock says h=5 m=21 s=47
